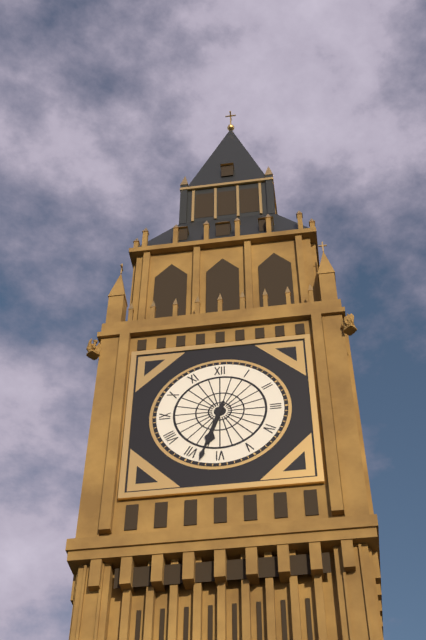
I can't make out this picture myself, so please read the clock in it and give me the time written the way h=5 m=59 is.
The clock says h=6 m=33
